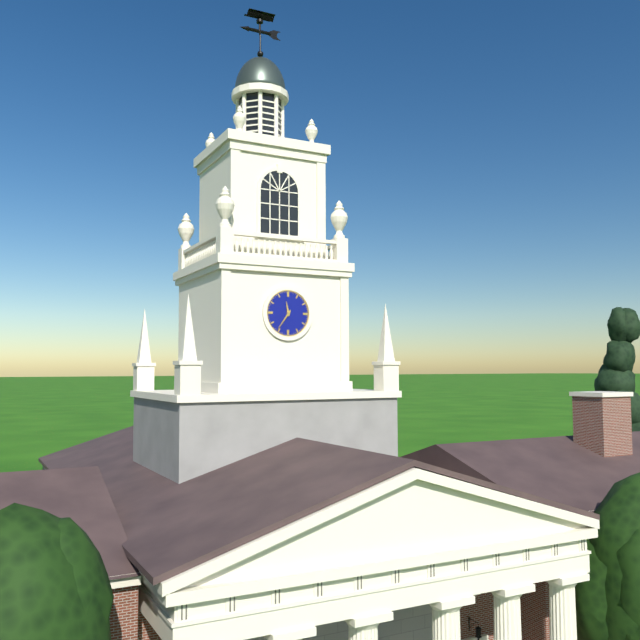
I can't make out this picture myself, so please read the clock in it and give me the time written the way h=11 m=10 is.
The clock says h=11 m=36
